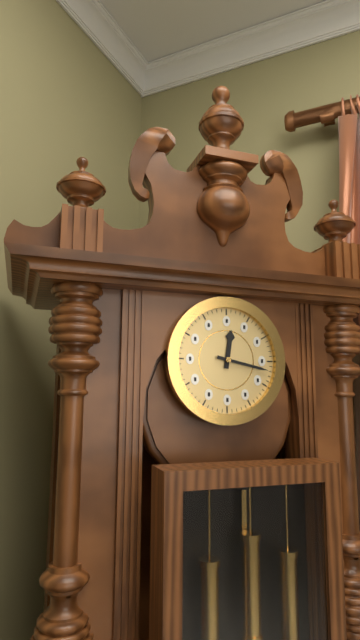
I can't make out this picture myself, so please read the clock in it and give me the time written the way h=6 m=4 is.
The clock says h=12 m=17
